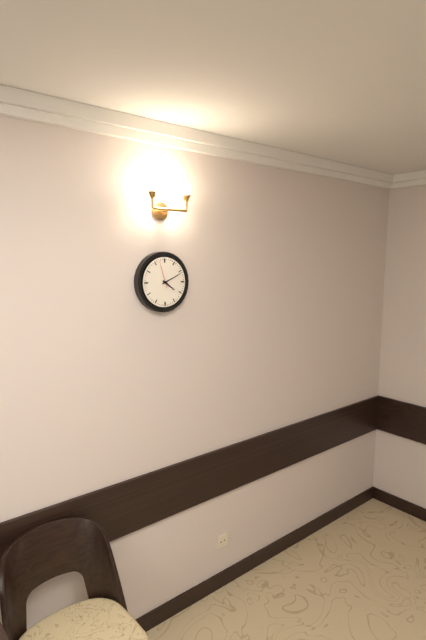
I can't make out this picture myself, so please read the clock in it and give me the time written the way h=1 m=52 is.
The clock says h=4 m=11
